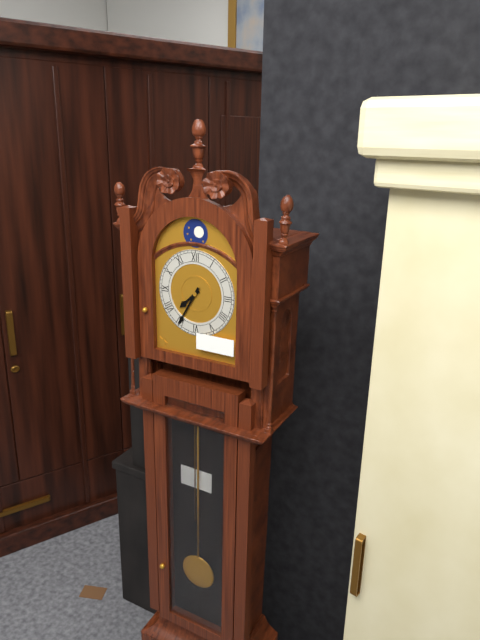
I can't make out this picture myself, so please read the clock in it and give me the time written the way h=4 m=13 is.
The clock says h=7 m=35
